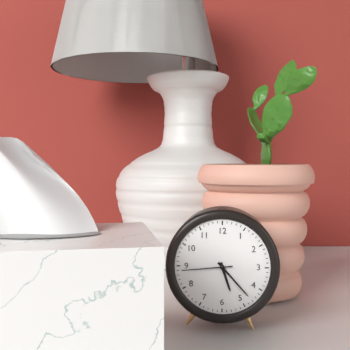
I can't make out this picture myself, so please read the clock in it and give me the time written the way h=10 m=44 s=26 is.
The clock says h=5 m=23 s=44
